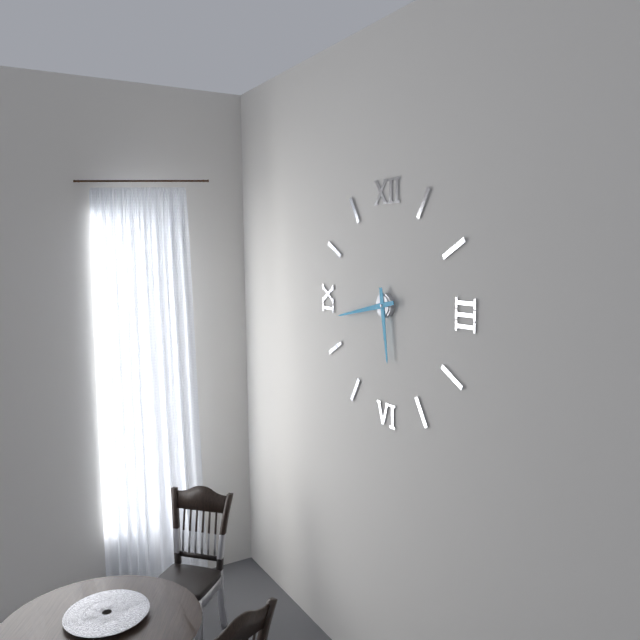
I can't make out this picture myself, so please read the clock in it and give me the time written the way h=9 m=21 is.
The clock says h=5 m=43
